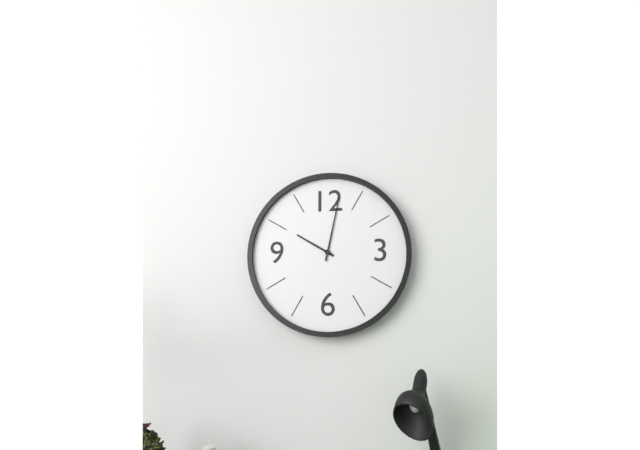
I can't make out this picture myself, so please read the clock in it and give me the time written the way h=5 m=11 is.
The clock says h=10 m=2
